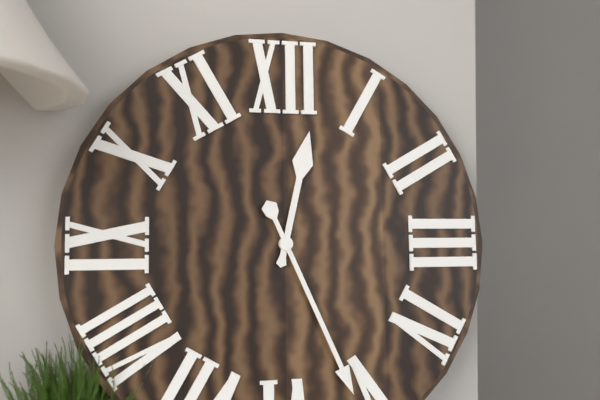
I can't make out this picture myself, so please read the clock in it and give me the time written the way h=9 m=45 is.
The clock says h=12 m=26
